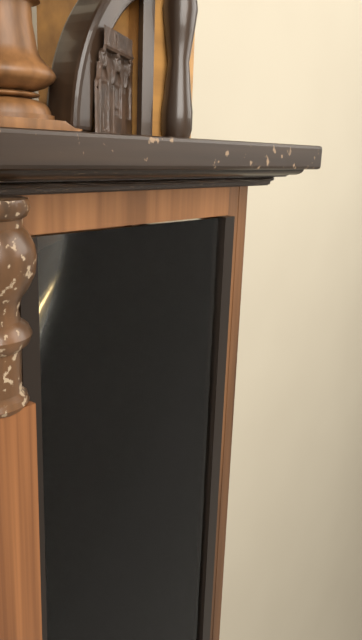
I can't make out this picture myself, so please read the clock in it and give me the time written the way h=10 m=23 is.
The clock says h=11 m=44
